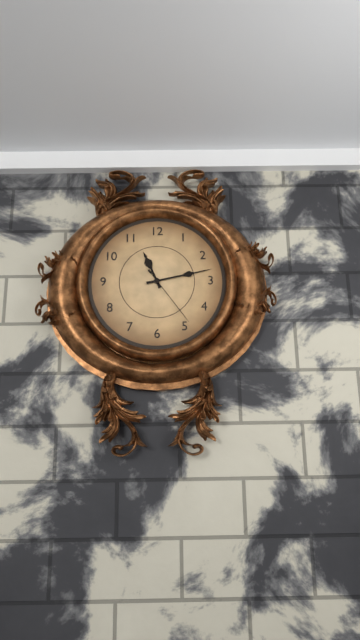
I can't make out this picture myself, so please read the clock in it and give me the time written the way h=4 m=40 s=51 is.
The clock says h=11 m=13 s=24
